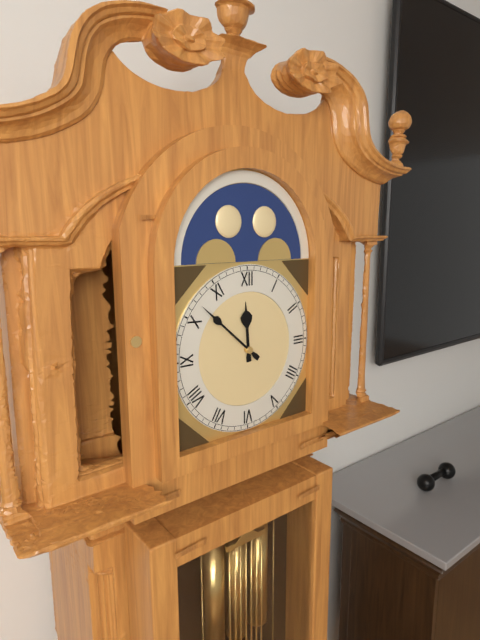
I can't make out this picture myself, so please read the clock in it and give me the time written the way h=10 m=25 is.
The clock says h=11 m=52
